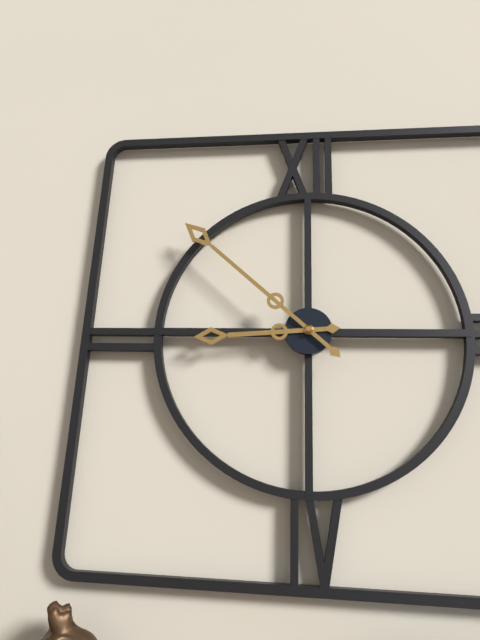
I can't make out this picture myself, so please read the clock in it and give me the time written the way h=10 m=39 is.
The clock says h=8 m=52
